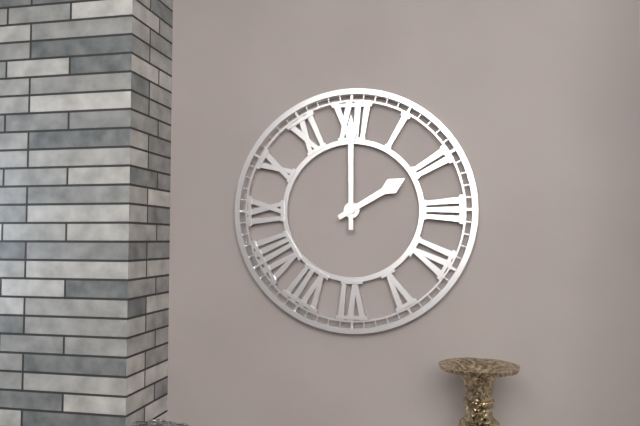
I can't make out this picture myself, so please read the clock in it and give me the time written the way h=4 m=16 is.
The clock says h=2 m=0
